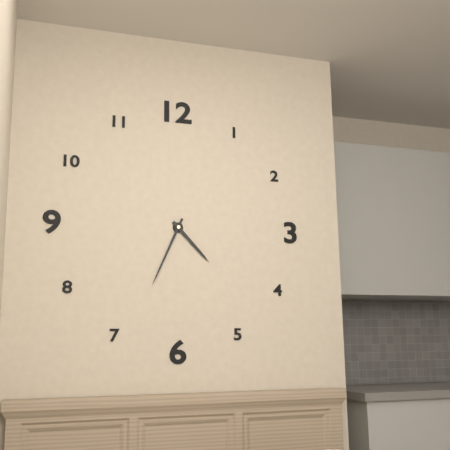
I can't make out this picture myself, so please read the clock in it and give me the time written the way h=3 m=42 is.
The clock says h=4 m=34
